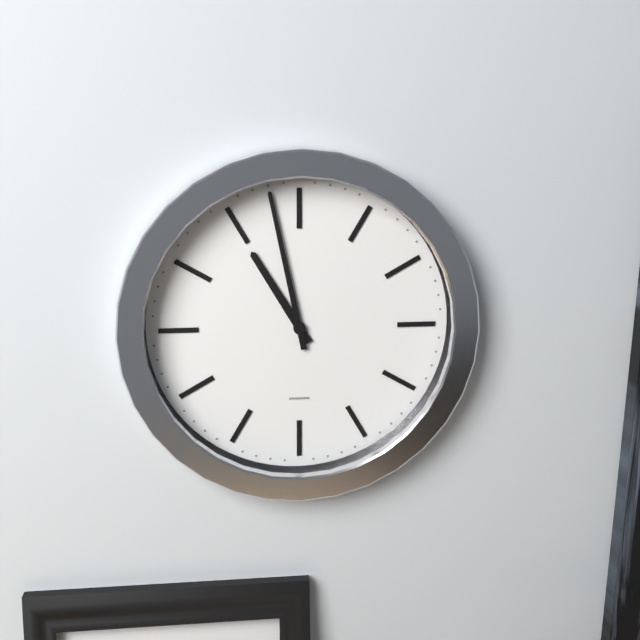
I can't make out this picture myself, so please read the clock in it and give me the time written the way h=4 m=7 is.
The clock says h=10 m=58
